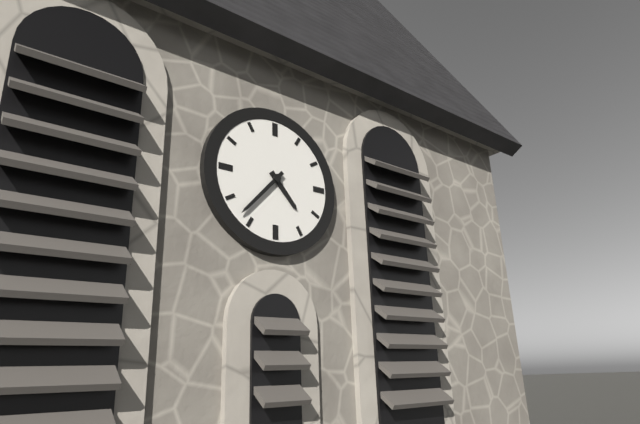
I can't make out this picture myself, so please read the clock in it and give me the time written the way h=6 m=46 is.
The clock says h=4 m=37
